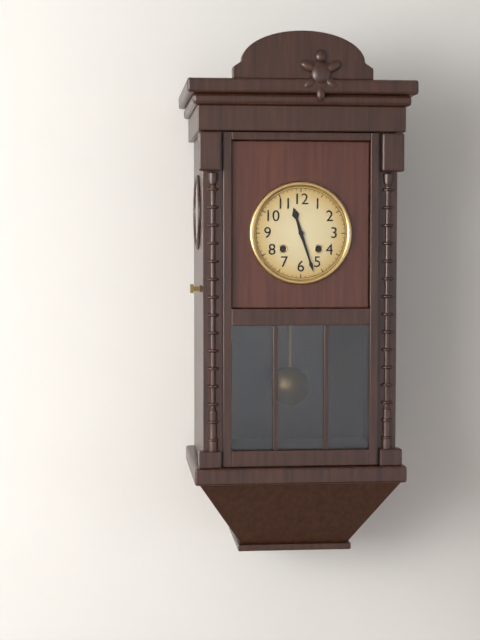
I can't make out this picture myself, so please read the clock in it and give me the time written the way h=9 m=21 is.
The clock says h=11 m=27
